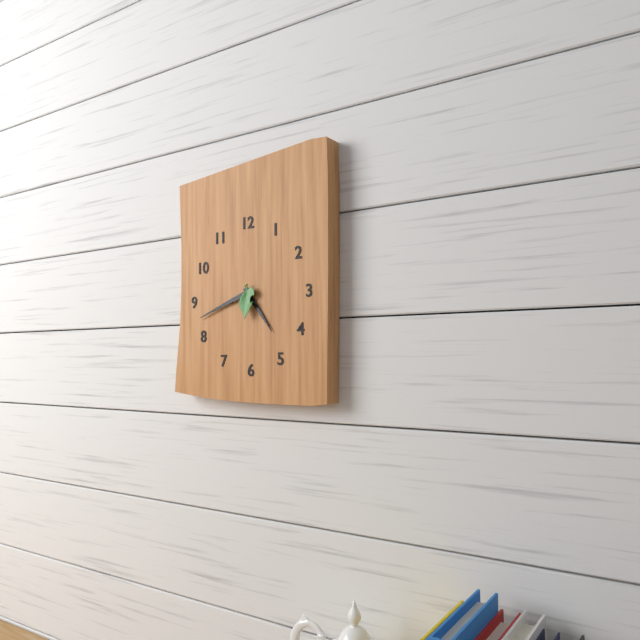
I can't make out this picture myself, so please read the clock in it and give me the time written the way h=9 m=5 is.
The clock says h=4 m=42
